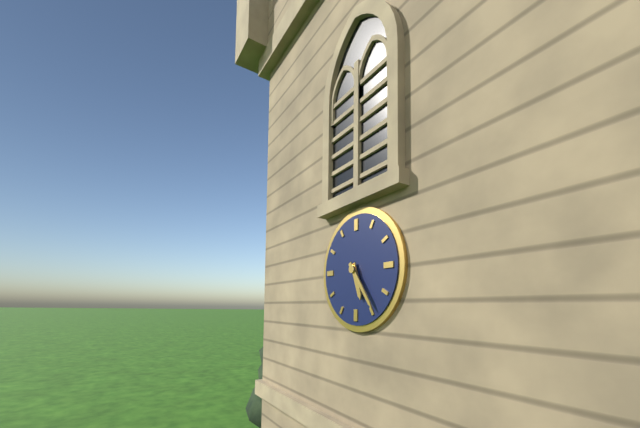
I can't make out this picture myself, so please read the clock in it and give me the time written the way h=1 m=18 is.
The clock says h=5 m=24
